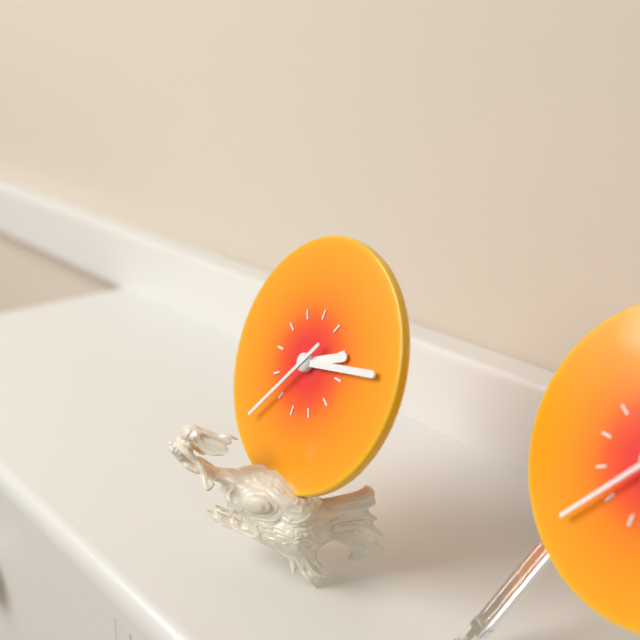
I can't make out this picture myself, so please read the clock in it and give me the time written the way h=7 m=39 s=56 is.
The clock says h=2 m=13 s=36
